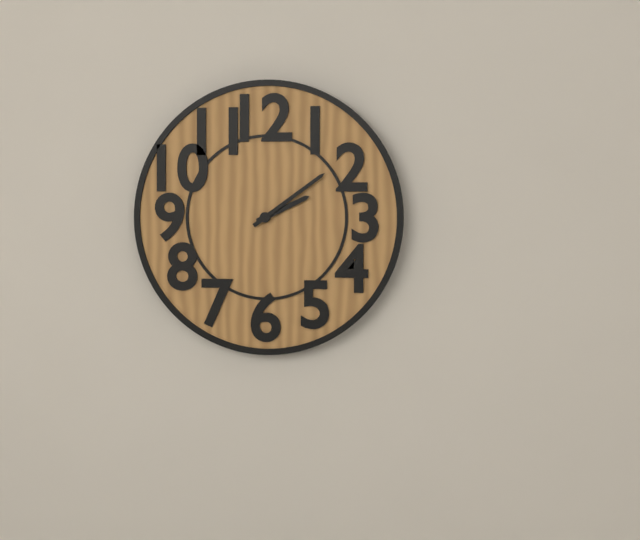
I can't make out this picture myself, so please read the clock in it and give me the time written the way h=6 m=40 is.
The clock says h=2 m=9
